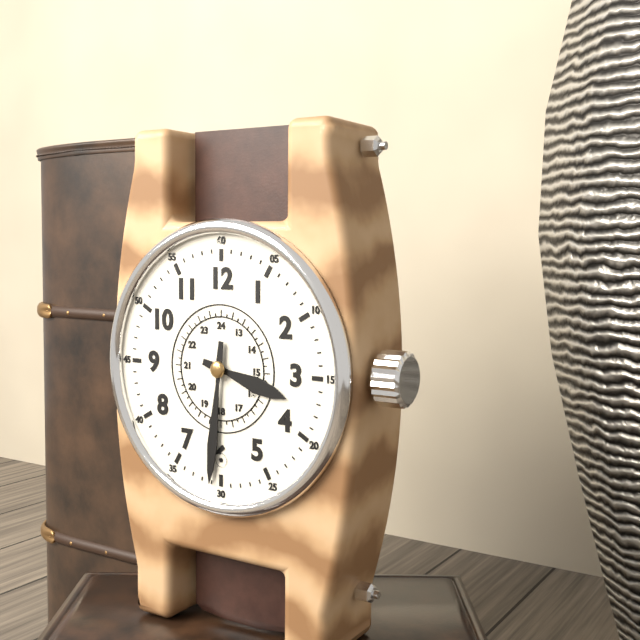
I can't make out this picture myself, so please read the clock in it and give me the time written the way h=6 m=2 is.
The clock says h=3 m=31
